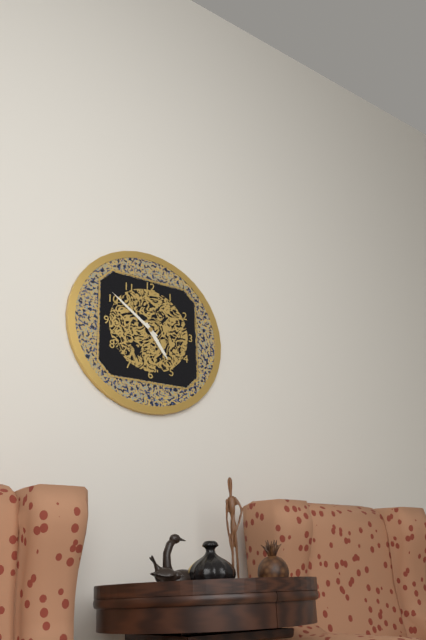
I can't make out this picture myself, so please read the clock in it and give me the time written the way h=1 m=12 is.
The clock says h=4 m=51
